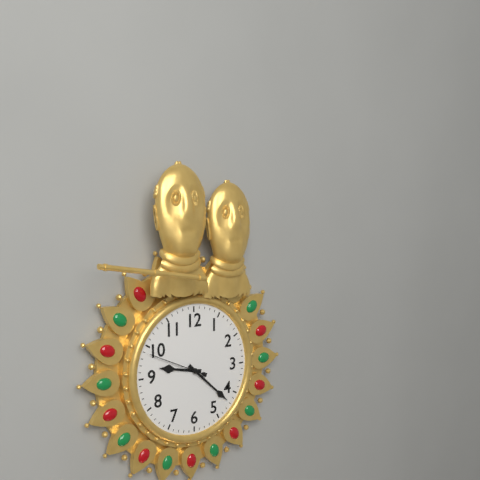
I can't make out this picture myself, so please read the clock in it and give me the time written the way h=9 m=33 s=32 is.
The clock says h=9 m=22 s=49
